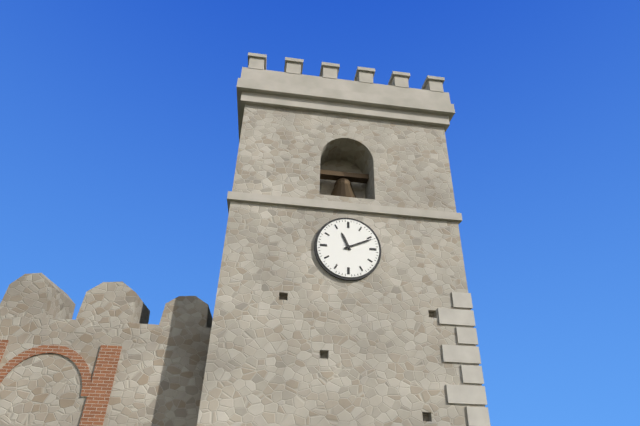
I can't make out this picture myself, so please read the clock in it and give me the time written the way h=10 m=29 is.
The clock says h=11 m=11
